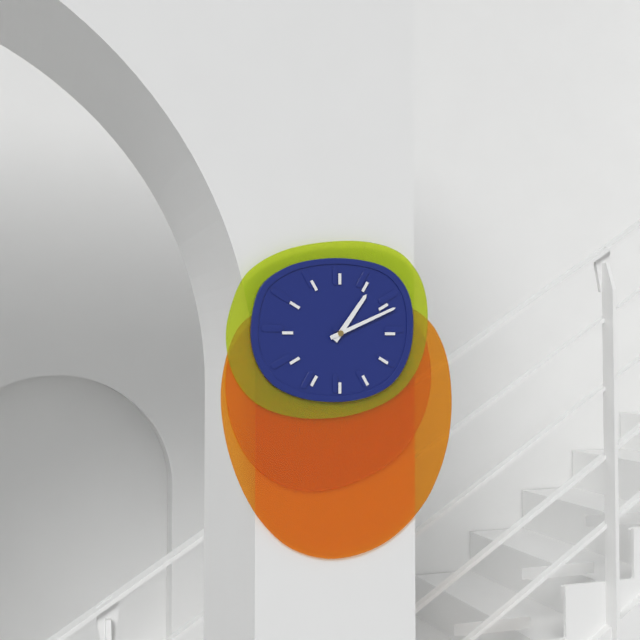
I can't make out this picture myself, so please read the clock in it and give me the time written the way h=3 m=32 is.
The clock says h=1 m=11
